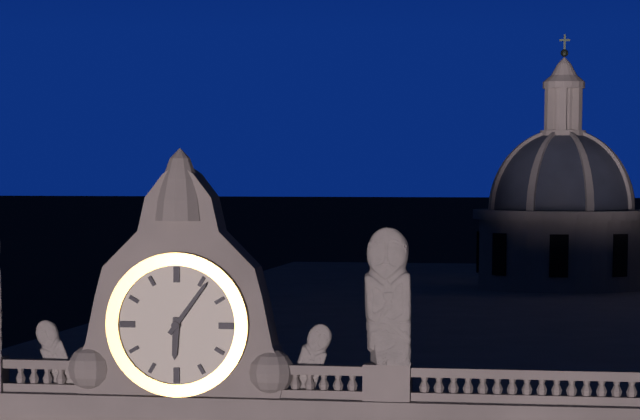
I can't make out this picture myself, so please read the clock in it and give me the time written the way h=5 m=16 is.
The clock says h=6 m=6
